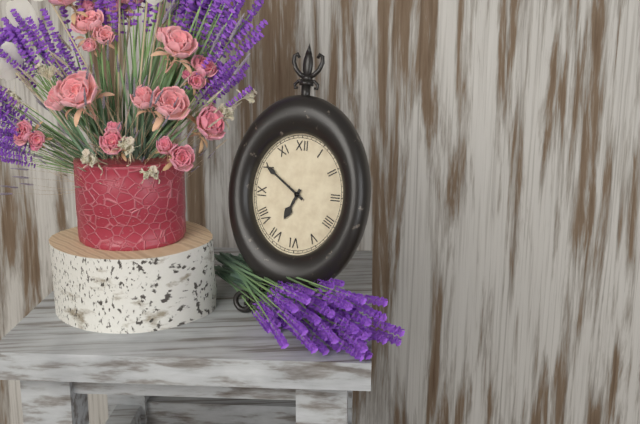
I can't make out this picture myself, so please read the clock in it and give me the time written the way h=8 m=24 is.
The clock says h=6 m=51
